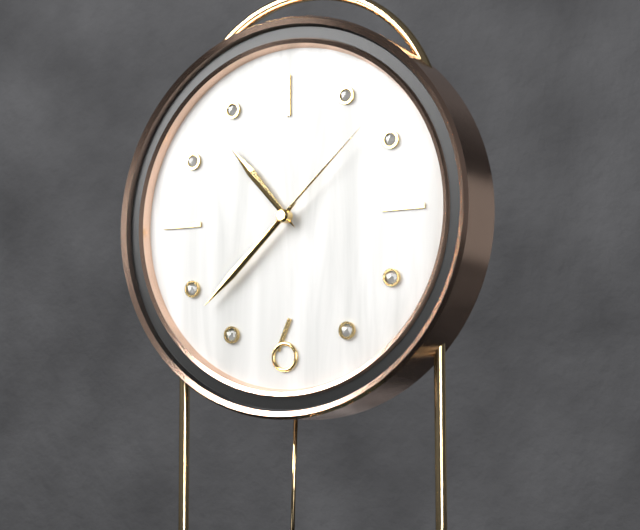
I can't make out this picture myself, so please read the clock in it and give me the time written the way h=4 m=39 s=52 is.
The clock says h=10 m=38 s=8
